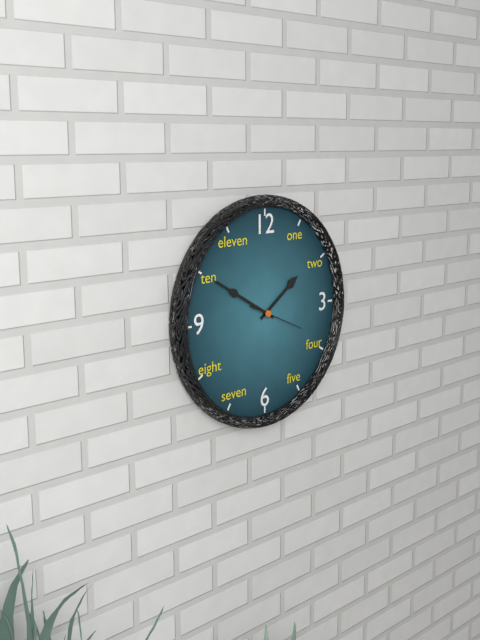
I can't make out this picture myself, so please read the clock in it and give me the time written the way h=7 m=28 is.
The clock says h=1 m=50
